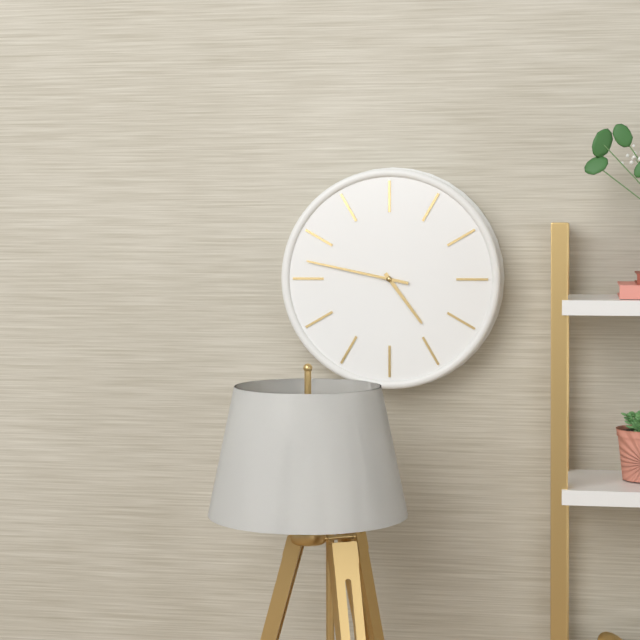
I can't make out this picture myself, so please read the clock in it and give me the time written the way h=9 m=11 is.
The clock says h=4 m=47
